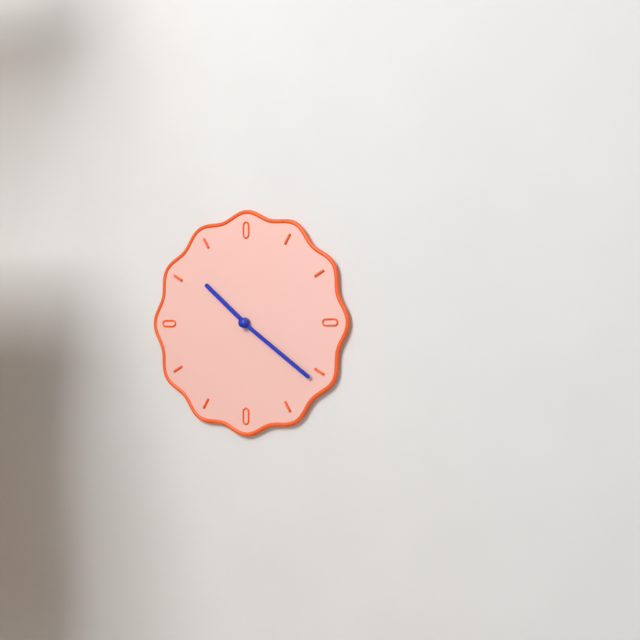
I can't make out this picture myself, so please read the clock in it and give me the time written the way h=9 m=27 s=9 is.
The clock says h=10 m=21 s=21
